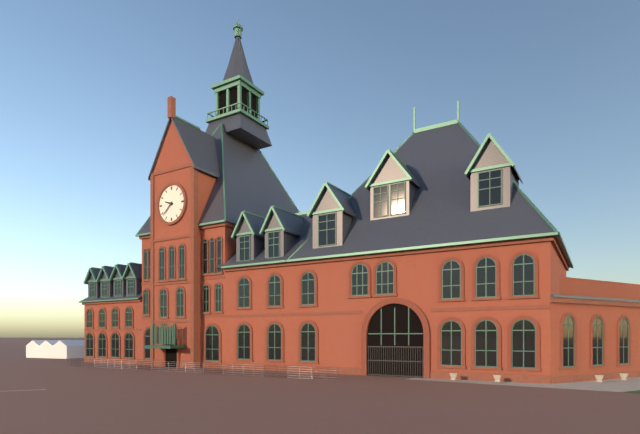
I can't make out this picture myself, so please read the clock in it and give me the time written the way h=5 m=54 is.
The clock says h=9 m=38
